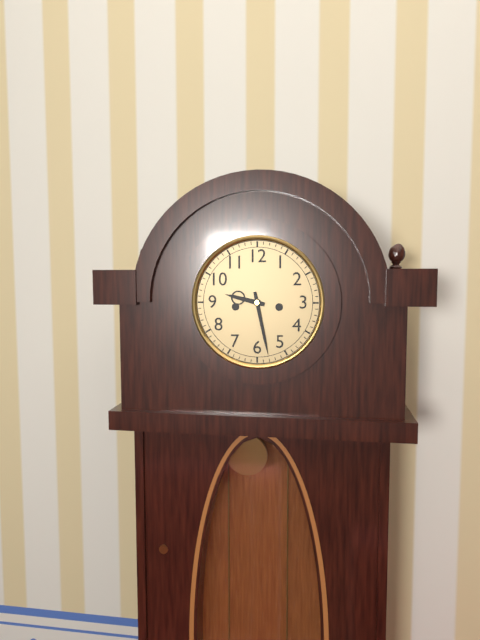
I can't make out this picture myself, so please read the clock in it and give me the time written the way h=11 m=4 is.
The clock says h=9 m=28
